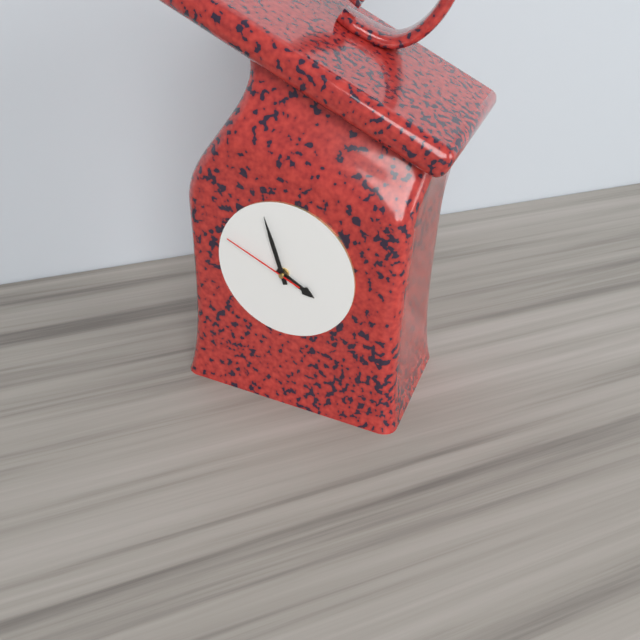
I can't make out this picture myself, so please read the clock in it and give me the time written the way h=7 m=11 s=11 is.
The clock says h=3 m=57 s=49
